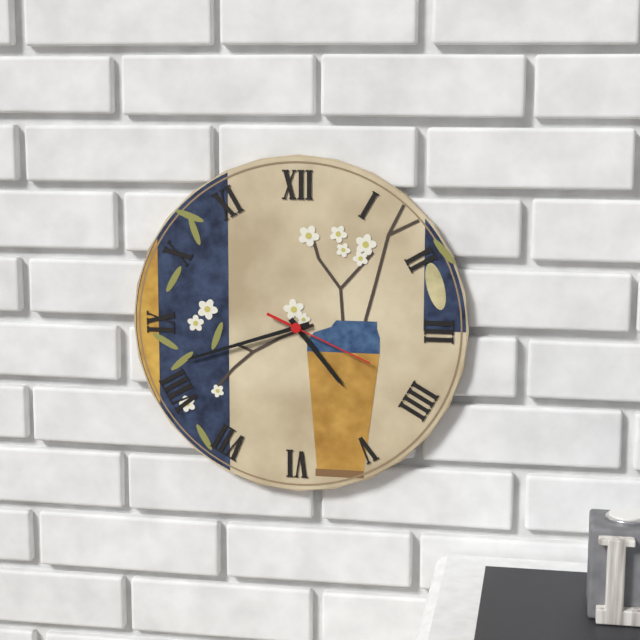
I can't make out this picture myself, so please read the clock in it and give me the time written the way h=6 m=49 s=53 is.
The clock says h=4 m=42 s=19
